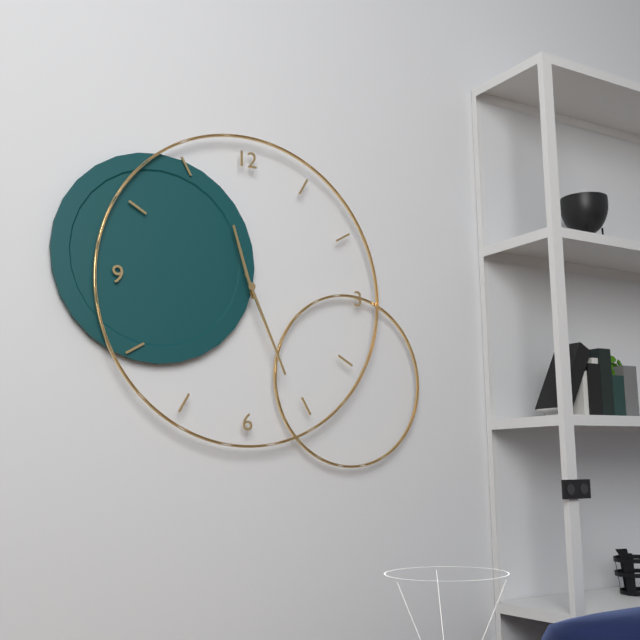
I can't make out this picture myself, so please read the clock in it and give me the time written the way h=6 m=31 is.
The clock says h=11 m=26
